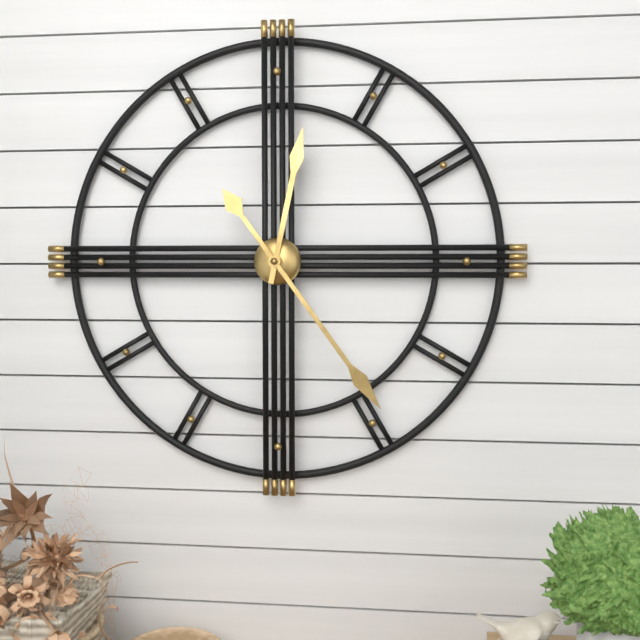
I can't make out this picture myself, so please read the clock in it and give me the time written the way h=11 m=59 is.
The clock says h=12 m=24
